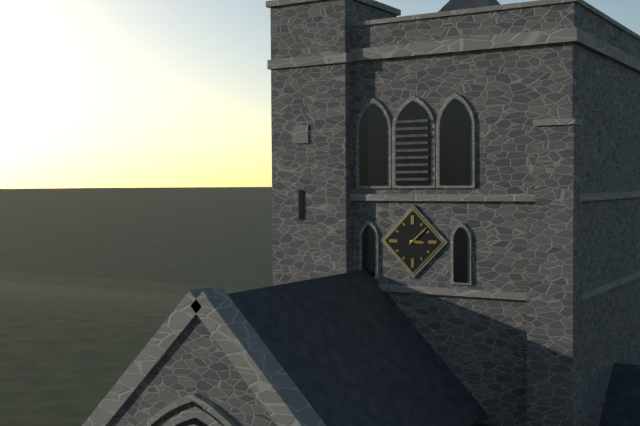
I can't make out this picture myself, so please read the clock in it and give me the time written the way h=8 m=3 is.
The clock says h=3 m=8
